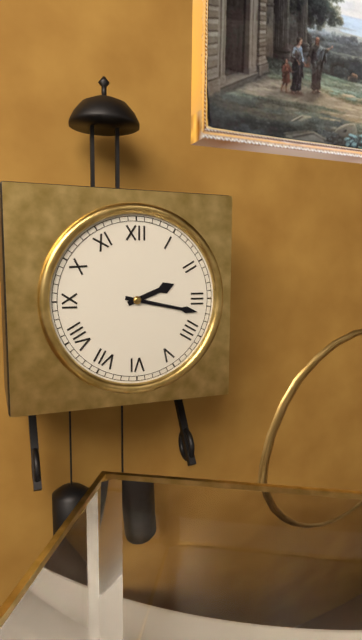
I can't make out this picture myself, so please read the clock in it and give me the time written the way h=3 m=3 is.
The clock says h=2 m=17
